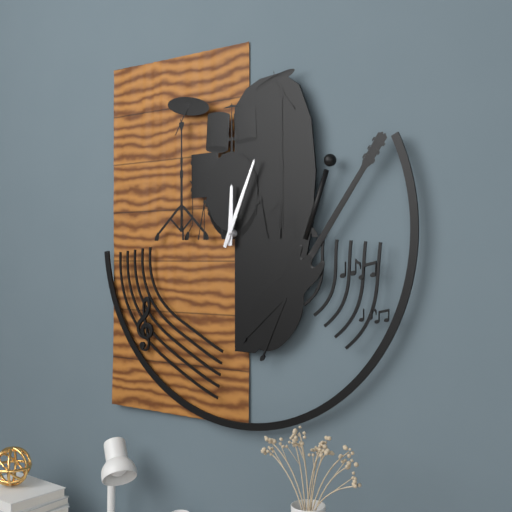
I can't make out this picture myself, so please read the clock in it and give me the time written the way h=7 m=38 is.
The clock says h=12 m=4
